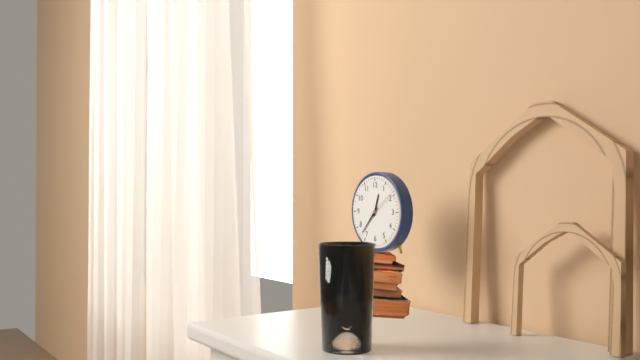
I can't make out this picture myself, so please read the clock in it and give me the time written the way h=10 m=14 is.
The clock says h=12 m=37
